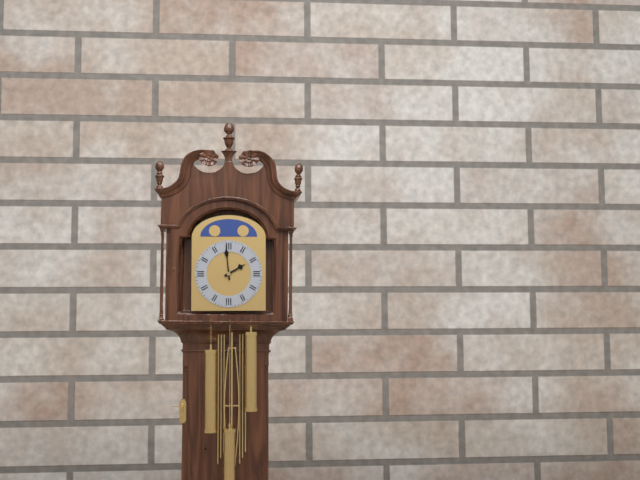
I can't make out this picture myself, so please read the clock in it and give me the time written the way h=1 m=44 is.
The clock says h=1 m=59
